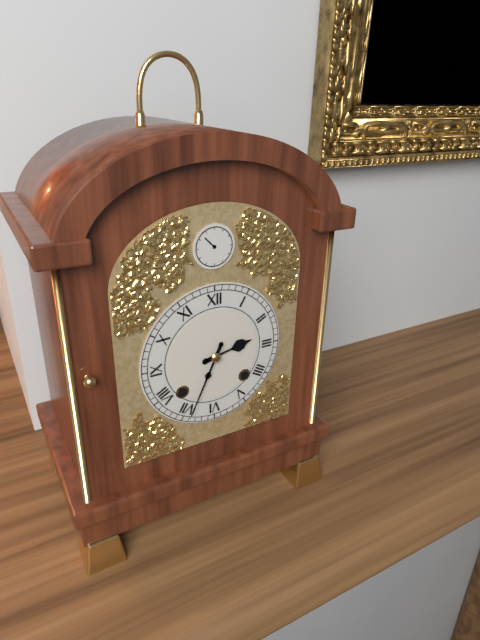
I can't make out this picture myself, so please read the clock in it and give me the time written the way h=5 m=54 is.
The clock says h=2 m=34
